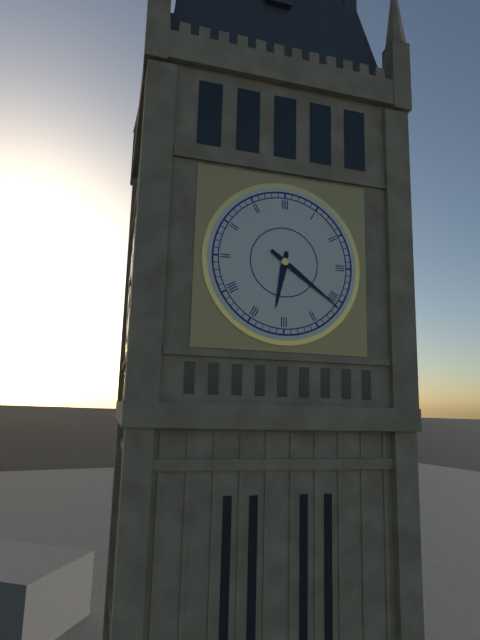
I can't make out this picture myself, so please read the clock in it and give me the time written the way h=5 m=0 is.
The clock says h=6 m=21
